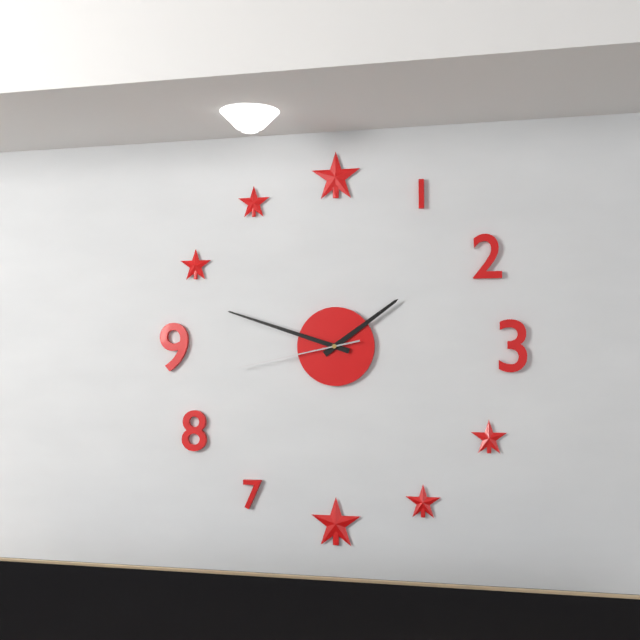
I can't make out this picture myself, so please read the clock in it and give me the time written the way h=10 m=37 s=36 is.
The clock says h=1 m=48 s=43
